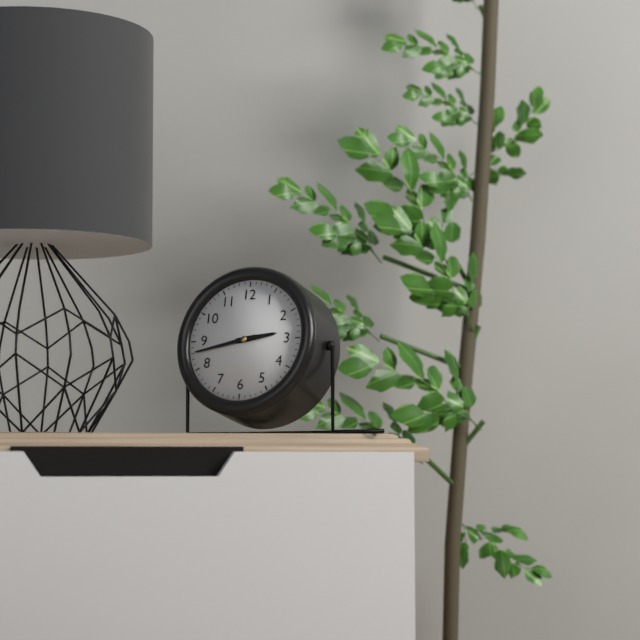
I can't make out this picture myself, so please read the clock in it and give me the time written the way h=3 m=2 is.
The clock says h=2 m=43
